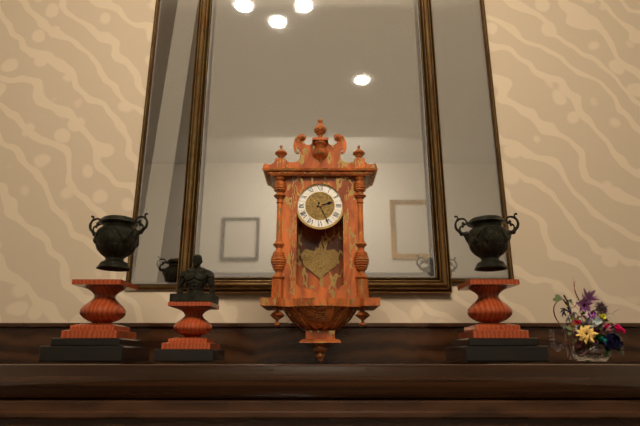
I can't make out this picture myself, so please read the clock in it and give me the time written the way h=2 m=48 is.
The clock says h=2 m=26
